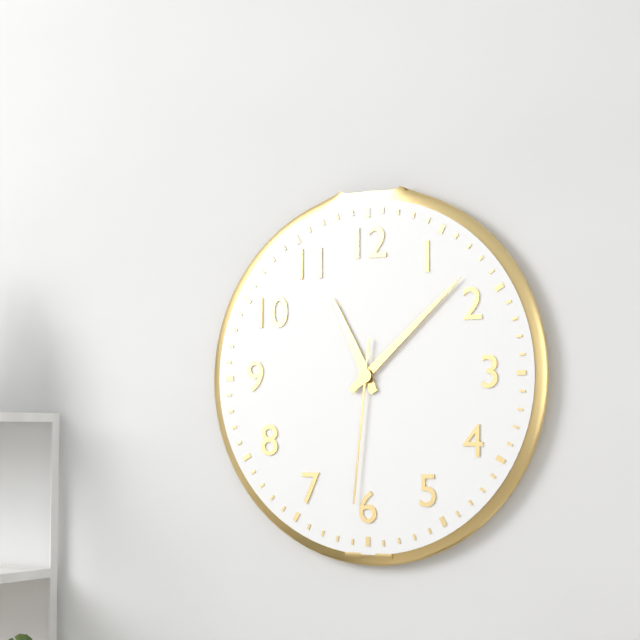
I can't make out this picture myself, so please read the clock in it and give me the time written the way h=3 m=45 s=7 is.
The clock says h=11 m=8 s=31
